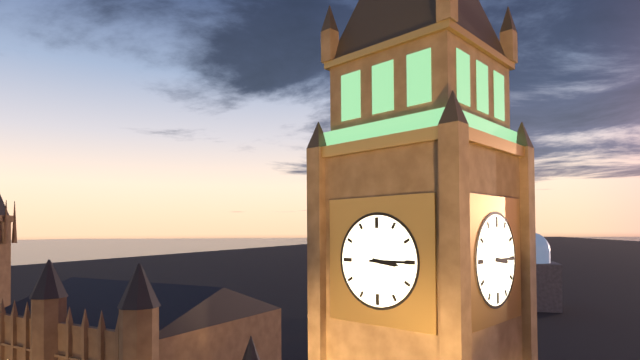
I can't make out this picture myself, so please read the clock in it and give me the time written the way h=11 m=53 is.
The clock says h=3 m=15
